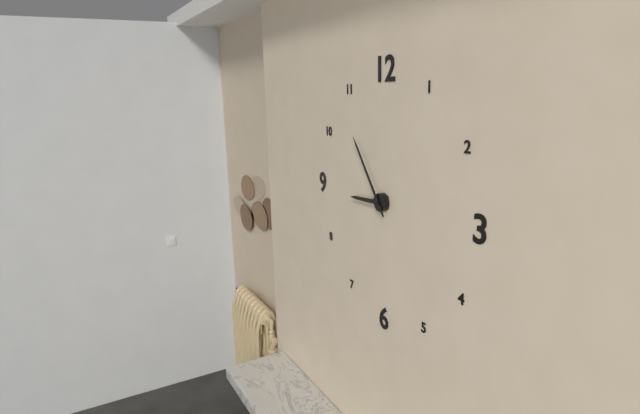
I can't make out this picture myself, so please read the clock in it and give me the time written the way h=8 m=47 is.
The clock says h=8 m=54
